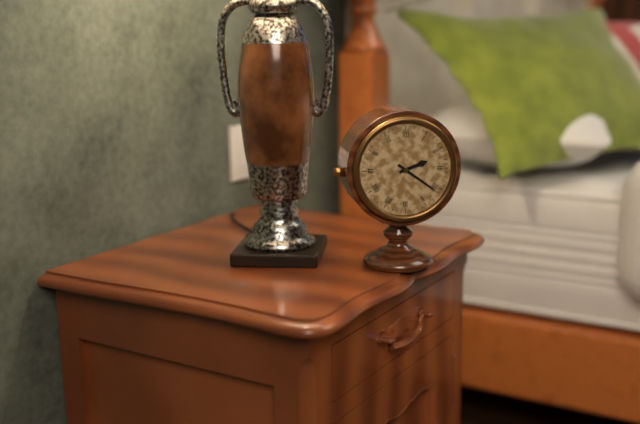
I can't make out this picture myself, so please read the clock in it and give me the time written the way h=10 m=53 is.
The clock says h=2 m=21
